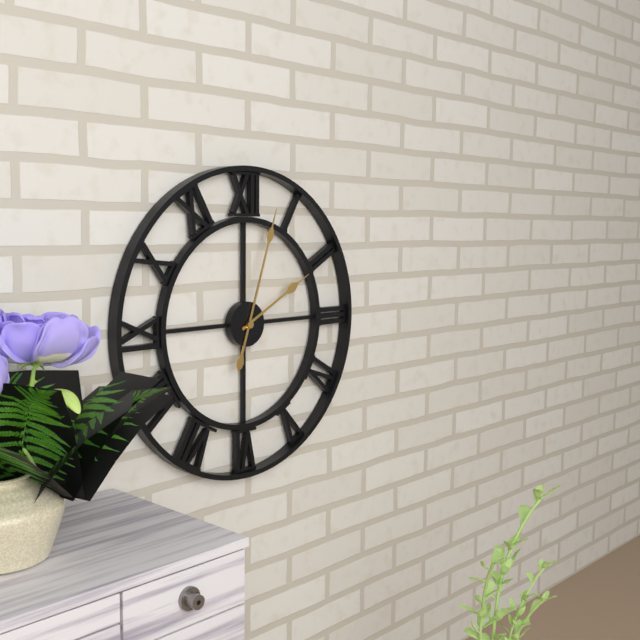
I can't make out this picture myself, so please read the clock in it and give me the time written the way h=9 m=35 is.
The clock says h=2 m=3
